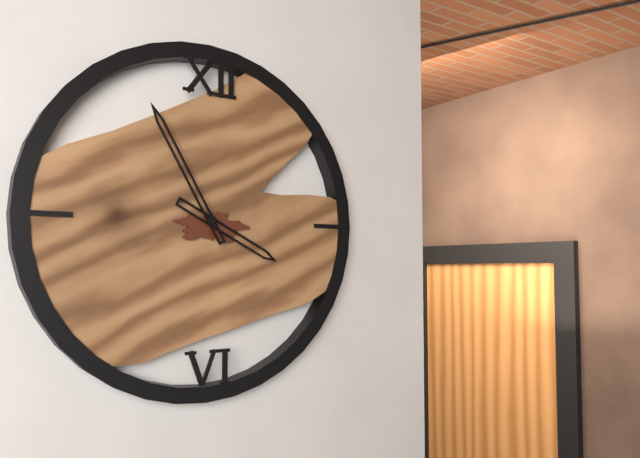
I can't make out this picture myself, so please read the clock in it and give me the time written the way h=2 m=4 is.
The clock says h=3 m=55
